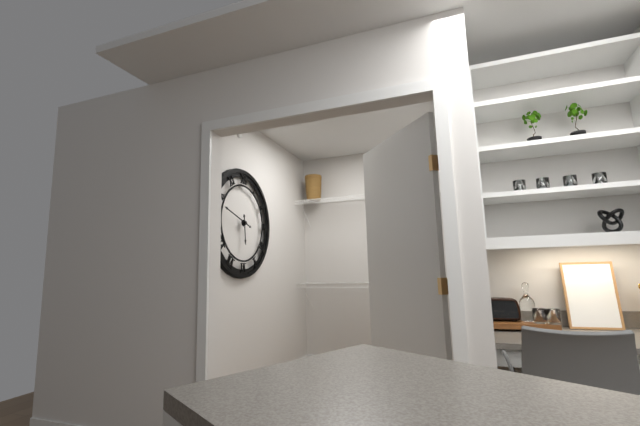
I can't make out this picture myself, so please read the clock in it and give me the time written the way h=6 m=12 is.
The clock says h=5 m=48
